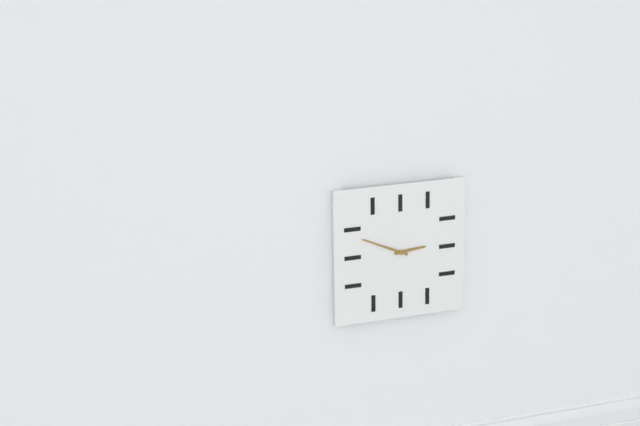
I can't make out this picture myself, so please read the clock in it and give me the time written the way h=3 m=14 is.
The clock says h=2 m=49
